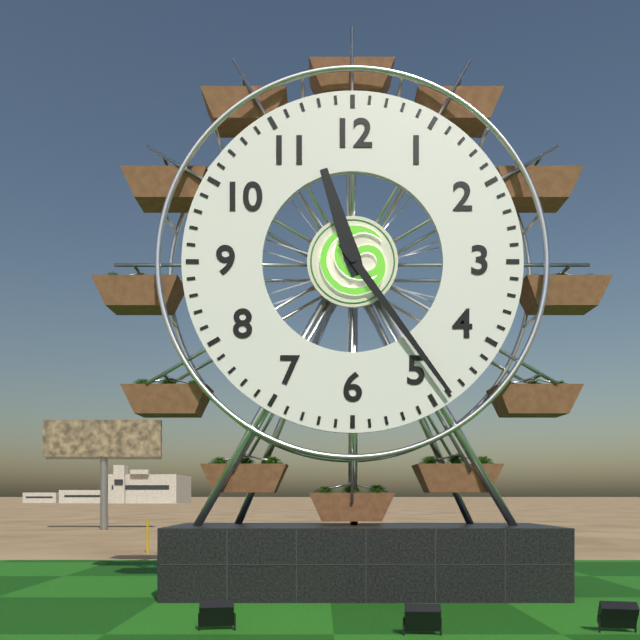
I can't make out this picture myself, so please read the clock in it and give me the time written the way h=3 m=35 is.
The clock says h=11 m=24
